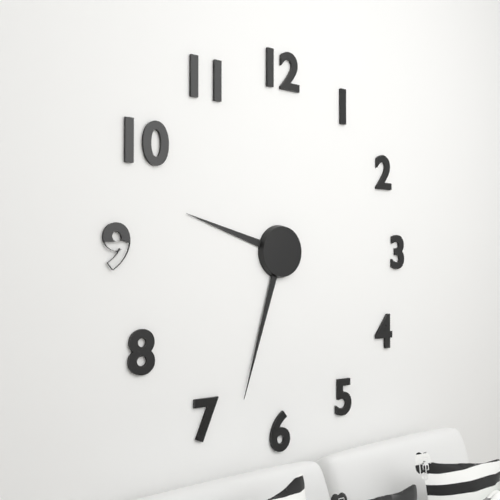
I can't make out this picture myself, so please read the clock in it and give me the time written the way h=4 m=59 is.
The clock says h=9 m=33
